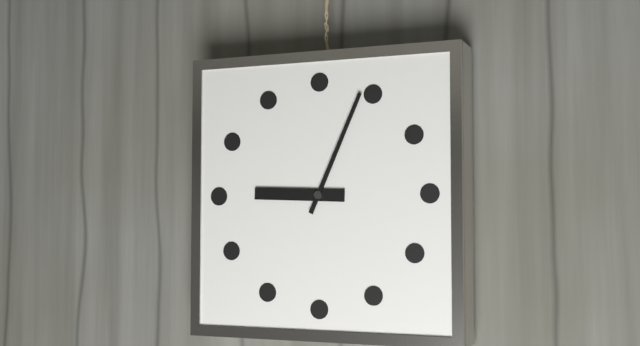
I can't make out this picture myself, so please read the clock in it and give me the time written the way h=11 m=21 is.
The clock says h=9 m=4
